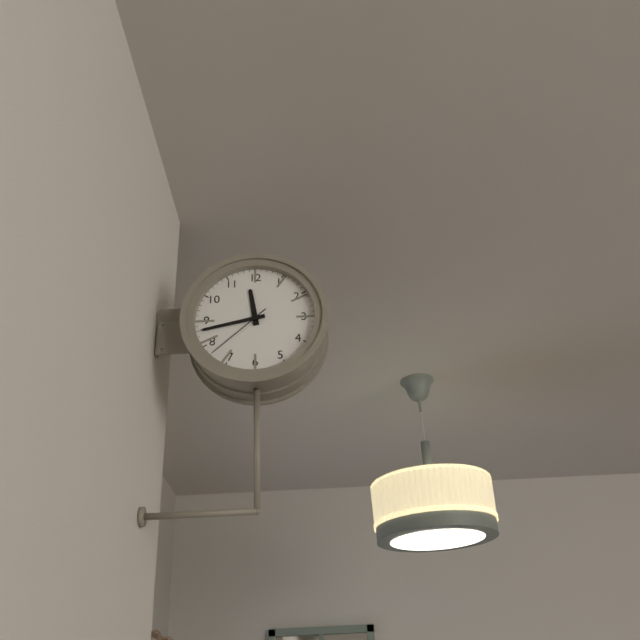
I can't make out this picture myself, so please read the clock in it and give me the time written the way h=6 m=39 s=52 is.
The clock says h=11 m=43 s=38
